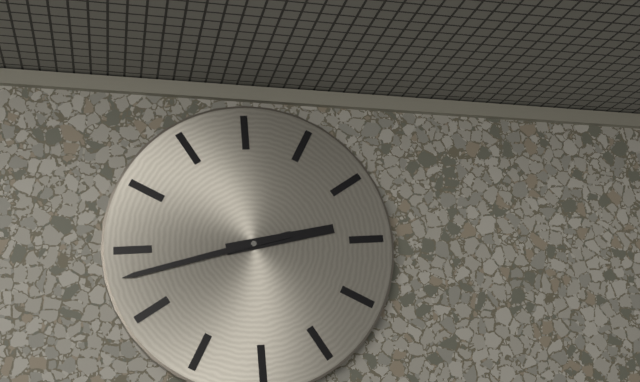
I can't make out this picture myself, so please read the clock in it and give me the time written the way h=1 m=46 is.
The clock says h=2 m=43
